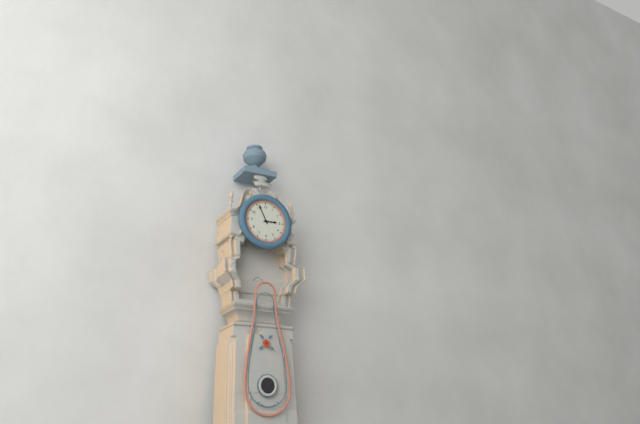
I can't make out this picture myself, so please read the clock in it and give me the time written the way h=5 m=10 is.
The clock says h=2 m=56
